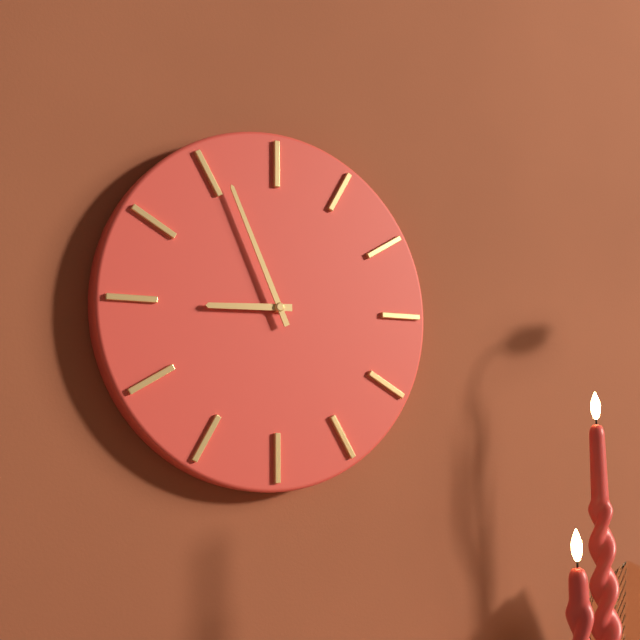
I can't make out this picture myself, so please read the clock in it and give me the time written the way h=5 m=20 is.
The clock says h=8 m=56
